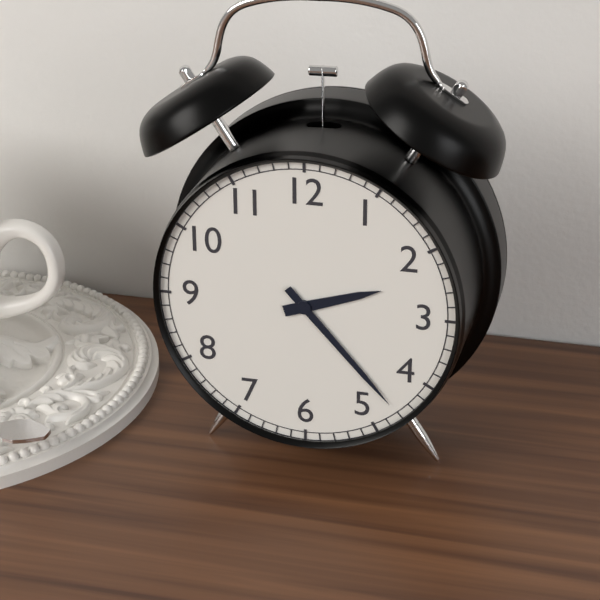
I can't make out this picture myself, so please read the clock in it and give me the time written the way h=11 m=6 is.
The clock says h=2 m=23
